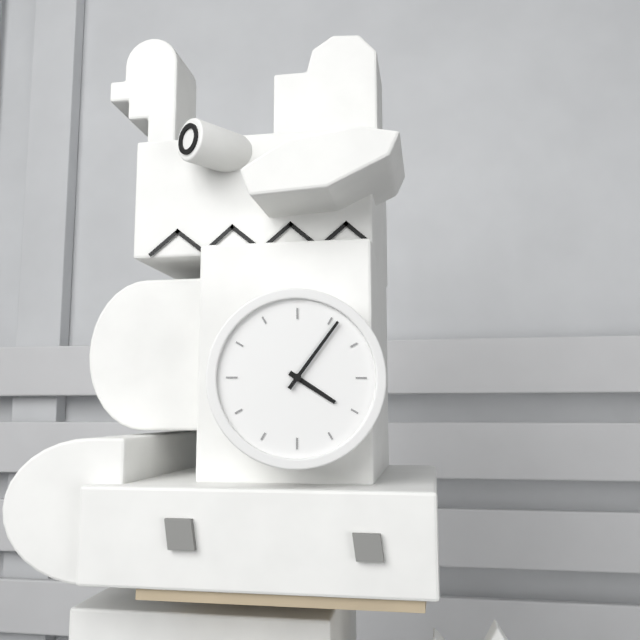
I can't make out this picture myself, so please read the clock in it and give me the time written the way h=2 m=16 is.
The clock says h=4 m=6
